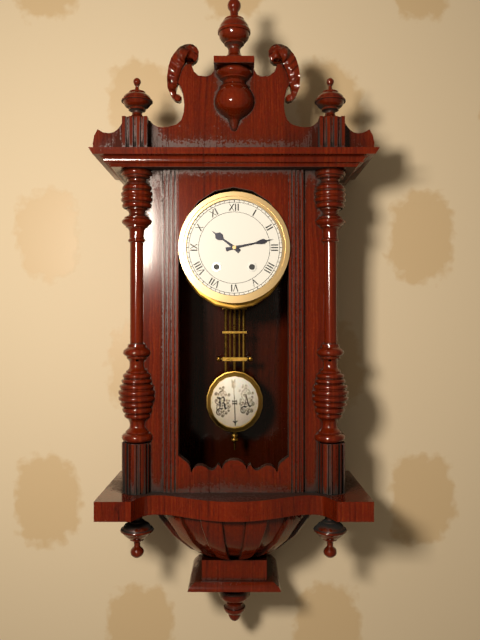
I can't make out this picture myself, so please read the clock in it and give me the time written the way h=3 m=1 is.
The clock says h=10 m=13
